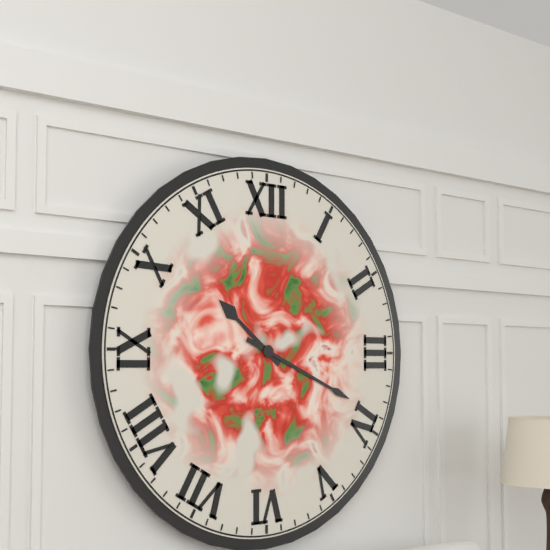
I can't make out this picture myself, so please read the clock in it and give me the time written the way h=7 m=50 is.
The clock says h=10 m=19
